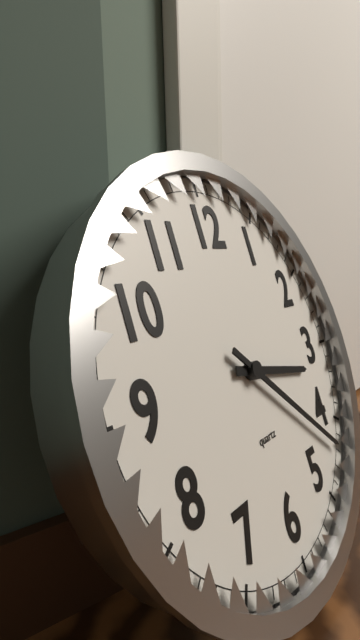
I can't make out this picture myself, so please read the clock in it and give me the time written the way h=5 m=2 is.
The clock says h=3 m=22
